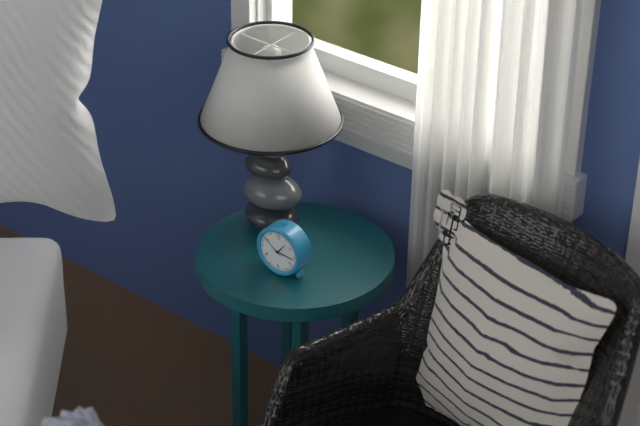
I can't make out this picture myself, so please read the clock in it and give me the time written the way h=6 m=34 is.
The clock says h=1 m=16
